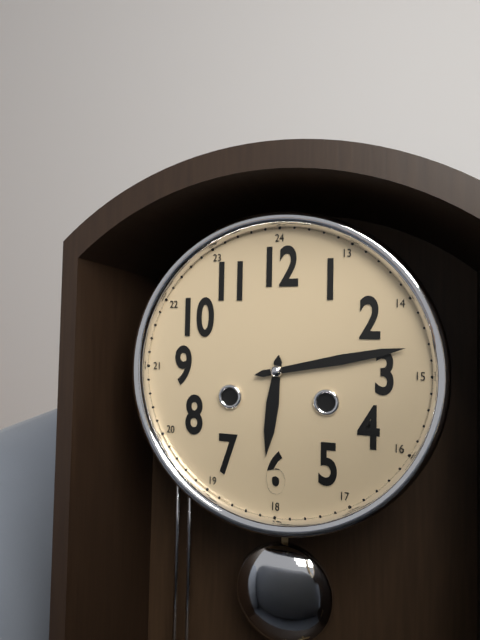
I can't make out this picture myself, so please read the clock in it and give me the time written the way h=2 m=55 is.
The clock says h=6 m=13
